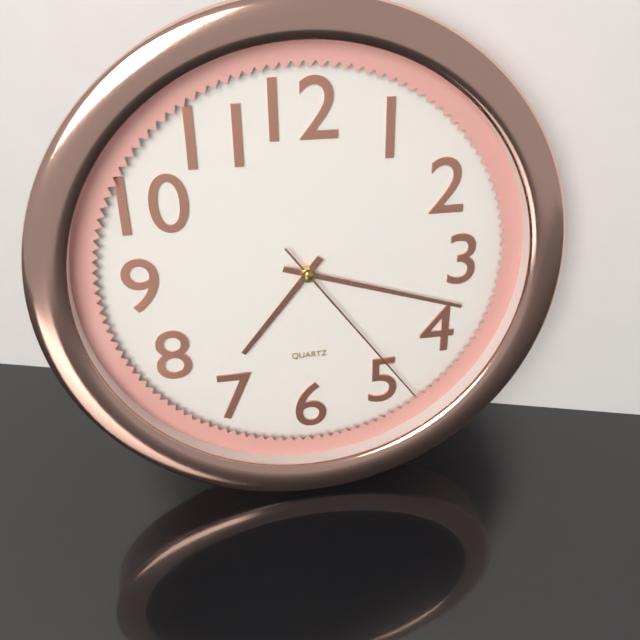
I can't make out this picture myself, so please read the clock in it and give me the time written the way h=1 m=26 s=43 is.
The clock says h=7 m=18 s=24
